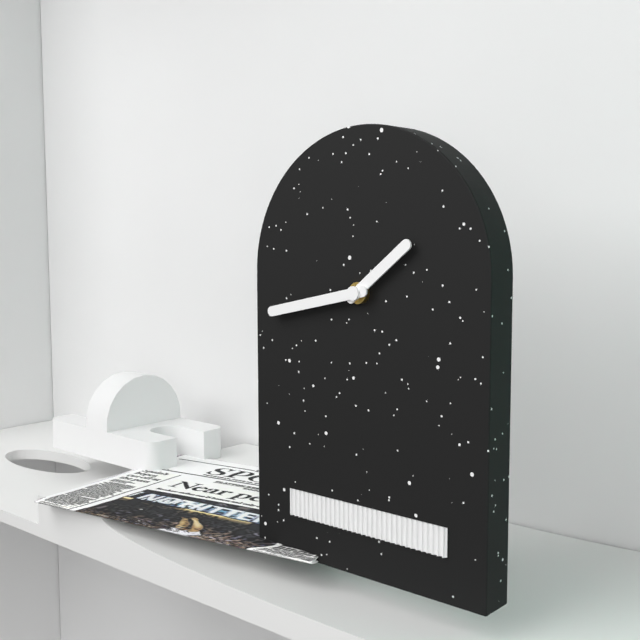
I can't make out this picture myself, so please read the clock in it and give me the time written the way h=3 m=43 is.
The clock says h=1 m=43
